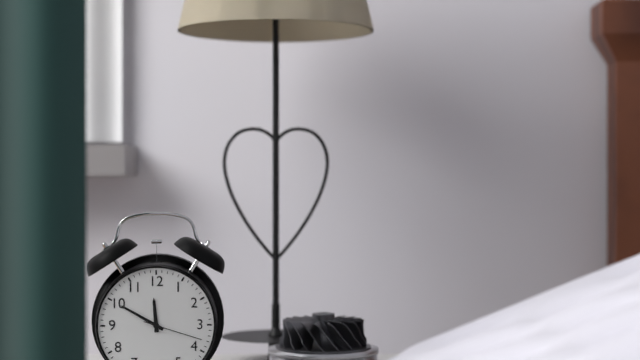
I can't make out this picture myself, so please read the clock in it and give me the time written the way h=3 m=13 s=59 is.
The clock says h=11 m=50 s=18
